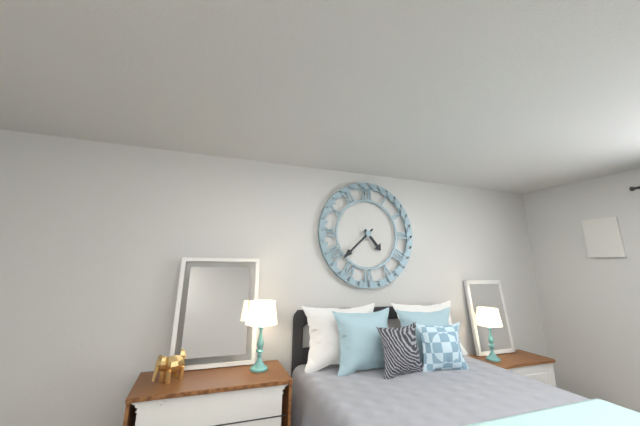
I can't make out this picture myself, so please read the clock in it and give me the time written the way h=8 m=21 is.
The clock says h=4 m=38
